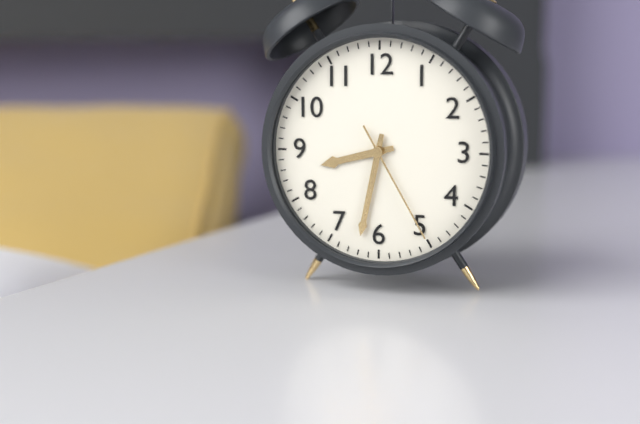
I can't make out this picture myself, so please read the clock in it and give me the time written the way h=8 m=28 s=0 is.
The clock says h=8 m=32 s=25
